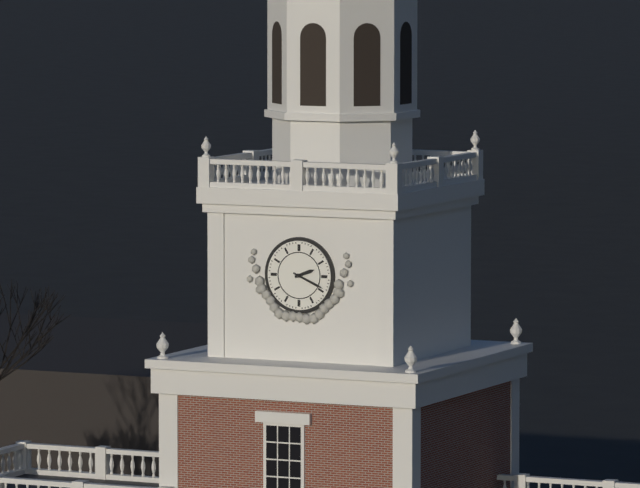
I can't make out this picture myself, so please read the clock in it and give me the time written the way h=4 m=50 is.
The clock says h=2 m=19
